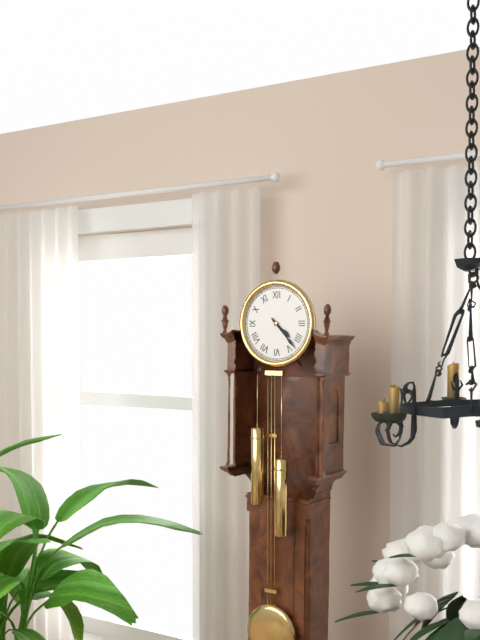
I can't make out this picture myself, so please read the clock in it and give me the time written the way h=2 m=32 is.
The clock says h=4 m=23
